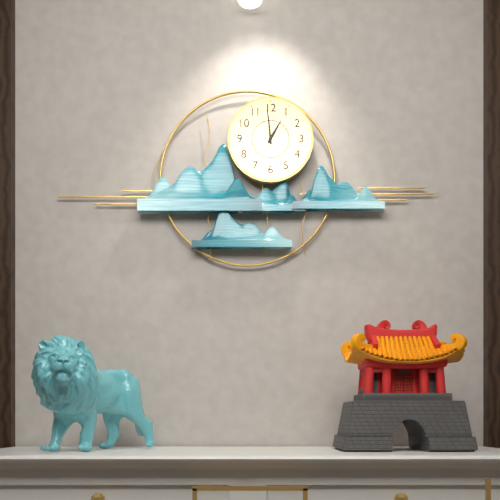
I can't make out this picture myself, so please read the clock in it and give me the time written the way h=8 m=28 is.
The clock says h=12 m=59
